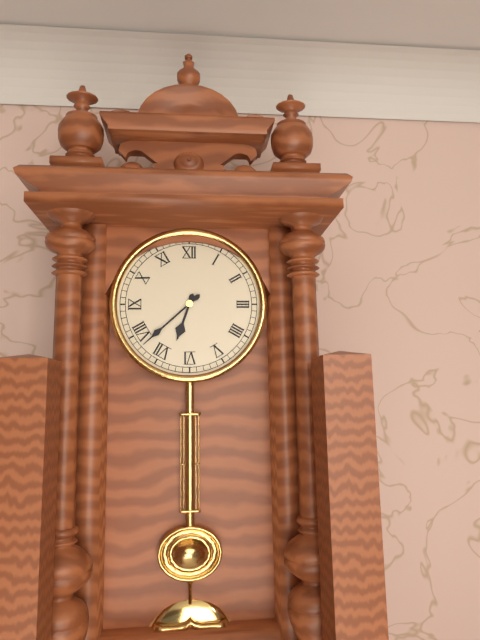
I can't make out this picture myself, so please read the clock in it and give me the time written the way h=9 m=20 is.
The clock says h=6 m=38
